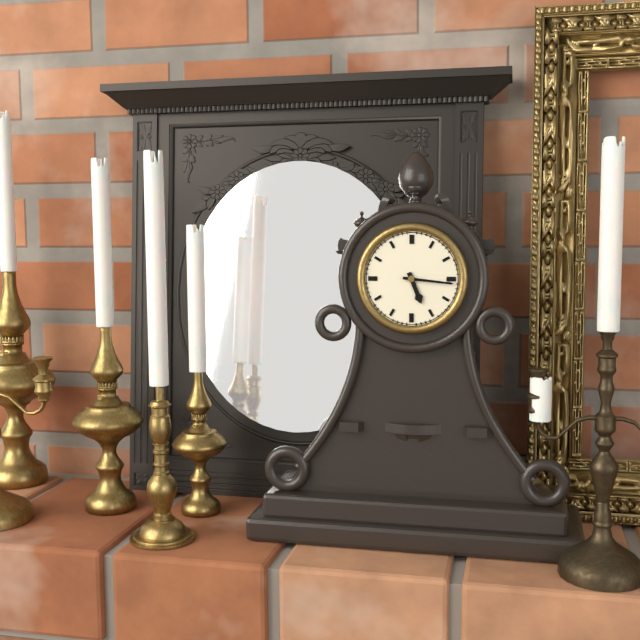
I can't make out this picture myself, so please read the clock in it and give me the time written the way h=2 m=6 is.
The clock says h=5 m=16
